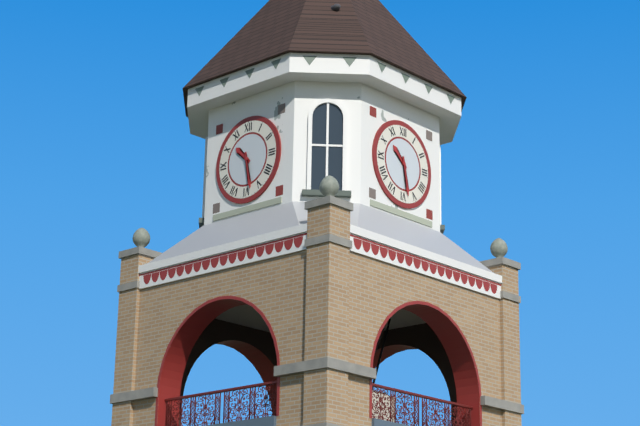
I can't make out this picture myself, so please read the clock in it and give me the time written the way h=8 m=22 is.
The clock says h=10 m=28
